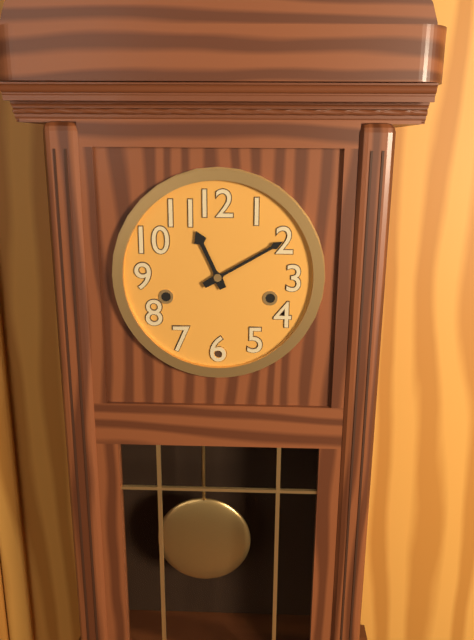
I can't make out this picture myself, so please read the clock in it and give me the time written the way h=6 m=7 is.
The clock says h=11 m=10
